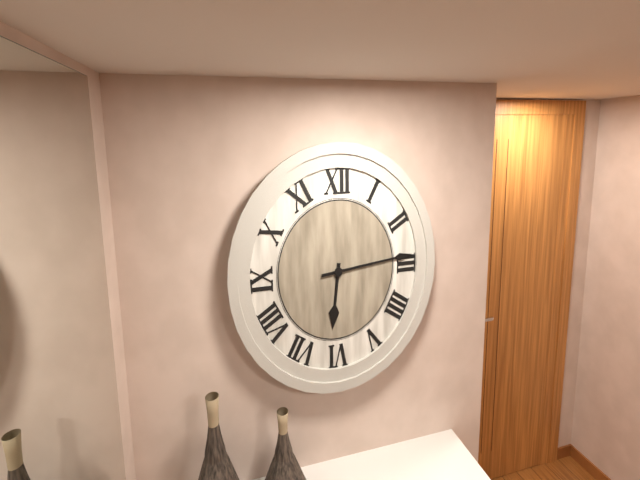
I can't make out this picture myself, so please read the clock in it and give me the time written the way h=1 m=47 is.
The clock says h=6 m=14
